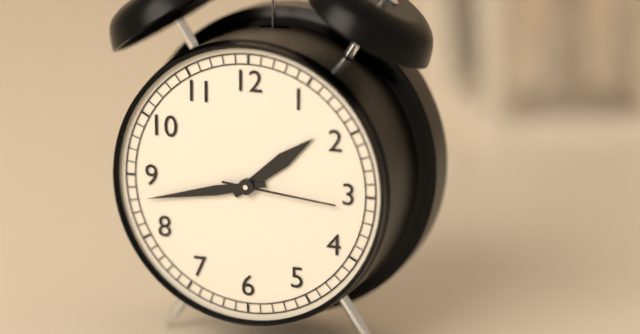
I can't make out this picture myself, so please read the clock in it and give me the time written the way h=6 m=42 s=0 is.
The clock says h=1 m=43 s=16
